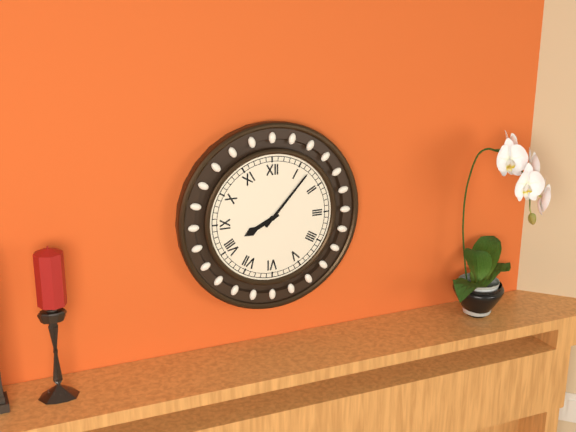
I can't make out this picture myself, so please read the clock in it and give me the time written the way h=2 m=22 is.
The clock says h=8 m=7
